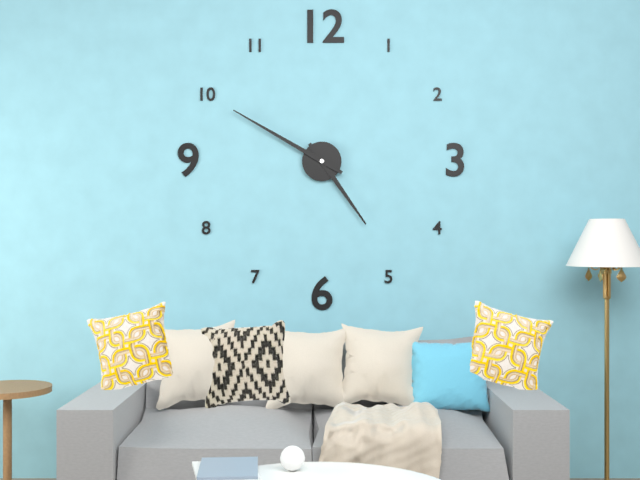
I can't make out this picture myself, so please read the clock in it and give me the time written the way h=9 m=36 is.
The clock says h=4 m=50
